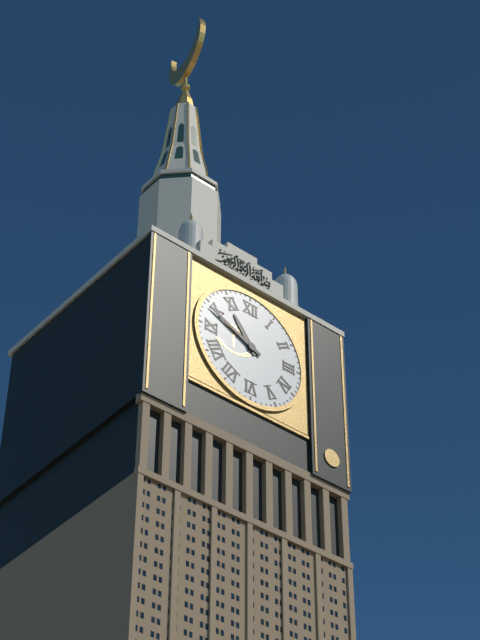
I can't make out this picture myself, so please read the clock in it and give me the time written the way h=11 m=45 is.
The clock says h=10 m=49
